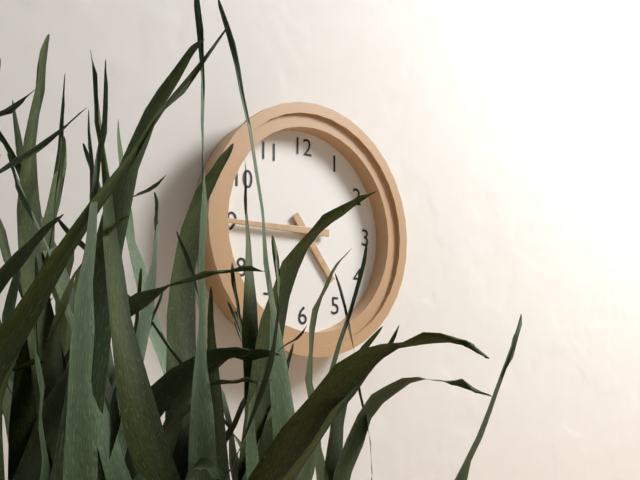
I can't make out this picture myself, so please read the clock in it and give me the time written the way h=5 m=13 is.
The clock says h=4 m=45
